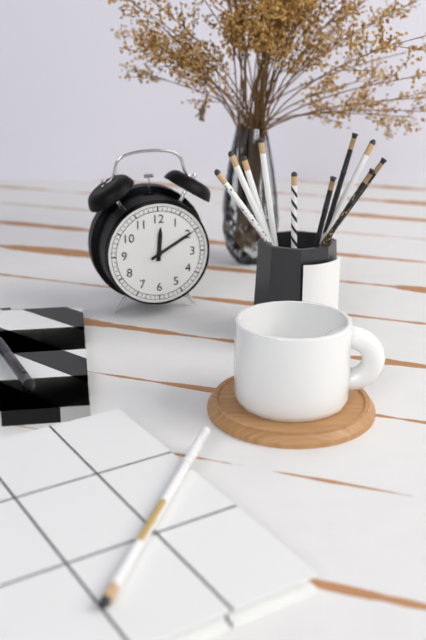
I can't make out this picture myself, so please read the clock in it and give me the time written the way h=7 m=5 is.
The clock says h=12 m=10
